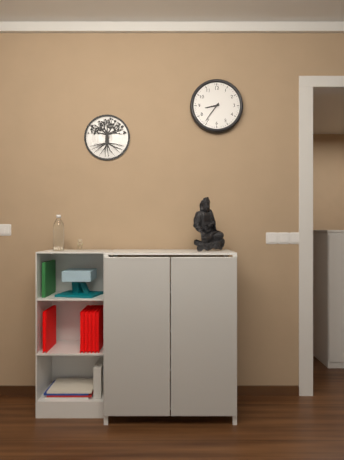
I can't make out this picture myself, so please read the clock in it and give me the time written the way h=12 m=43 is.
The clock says h=8 m=36
